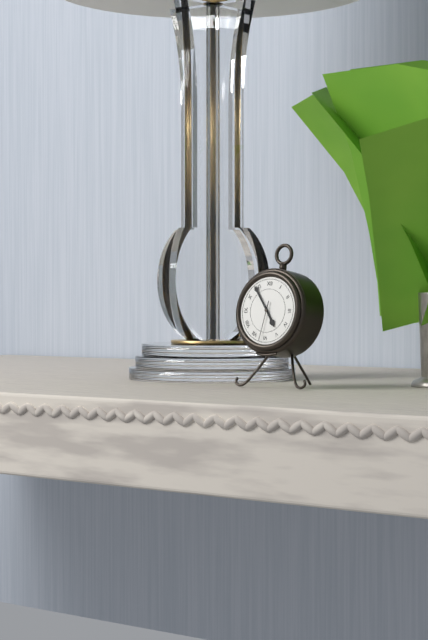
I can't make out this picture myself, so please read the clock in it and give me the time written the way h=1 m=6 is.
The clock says h=4 m=54
